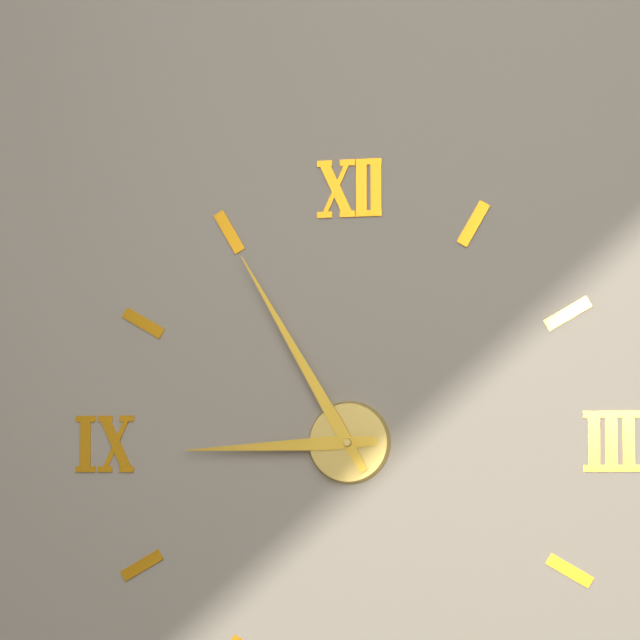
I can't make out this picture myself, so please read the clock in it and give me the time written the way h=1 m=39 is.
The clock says h=8 m=55
